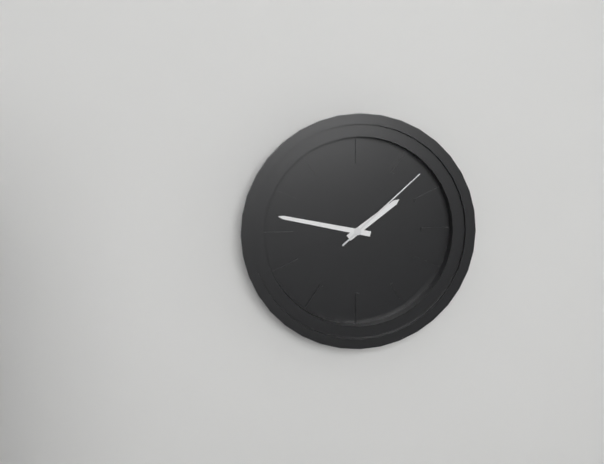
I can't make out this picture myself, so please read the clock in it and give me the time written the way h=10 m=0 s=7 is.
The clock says h=1 m=47 s=8
